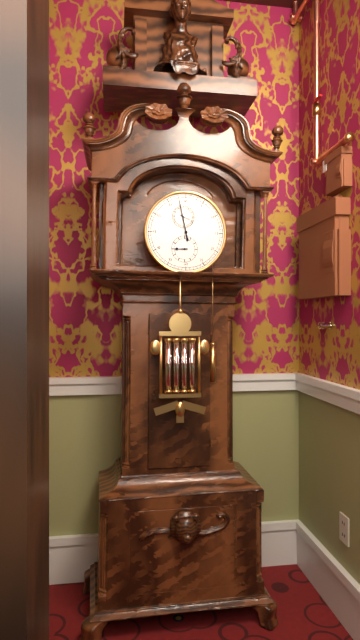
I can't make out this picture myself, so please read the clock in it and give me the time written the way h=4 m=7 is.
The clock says h=8 m=58
